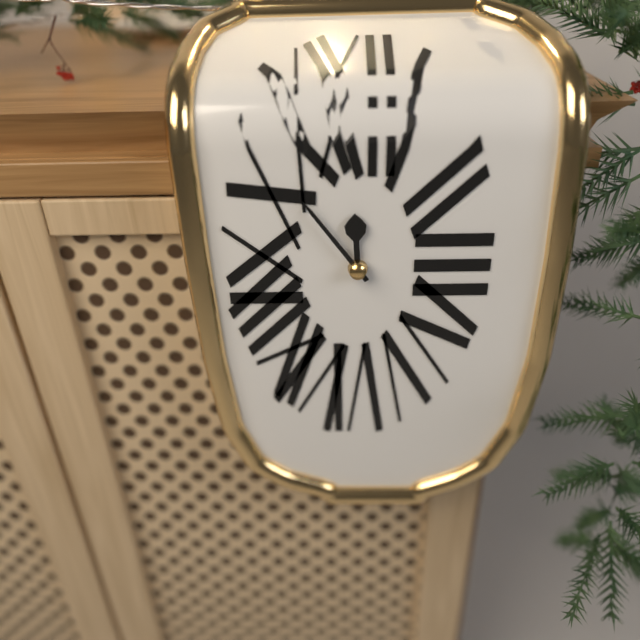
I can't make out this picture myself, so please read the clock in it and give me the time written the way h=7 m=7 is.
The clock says h=11 m=54
